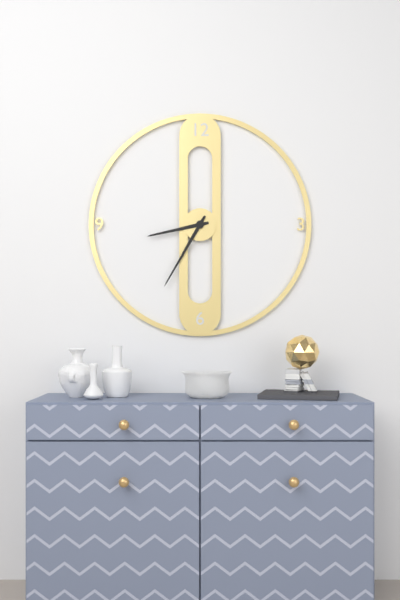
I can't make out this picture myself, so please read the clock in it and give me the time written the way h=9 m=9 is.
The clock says h=8 m=35
